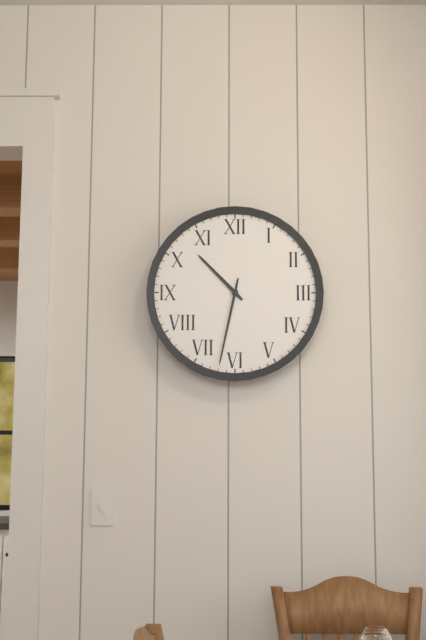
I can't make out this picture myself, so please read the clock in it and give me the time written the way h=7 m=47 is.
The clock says h=10 m=32
